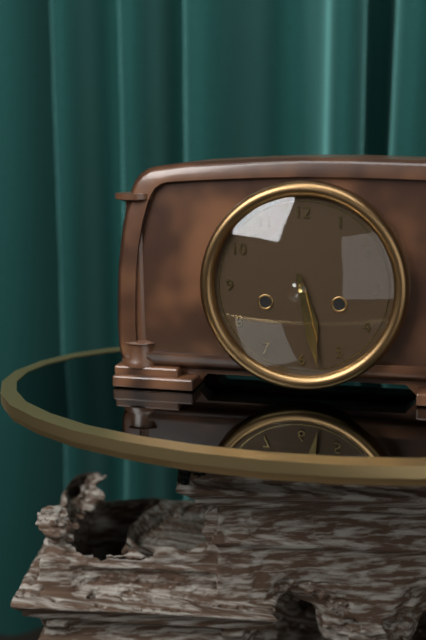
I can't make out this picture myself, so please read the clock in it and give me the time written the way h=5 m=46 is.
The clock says h=5 m=28
